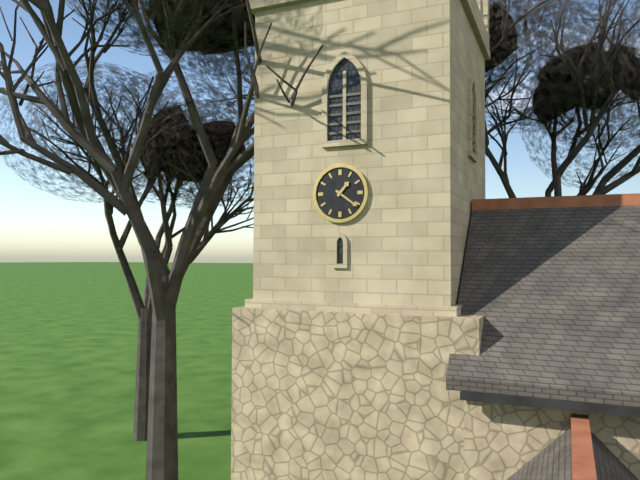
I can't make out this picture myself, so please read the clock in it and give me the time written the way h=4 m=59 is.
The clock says h=1 m=21
